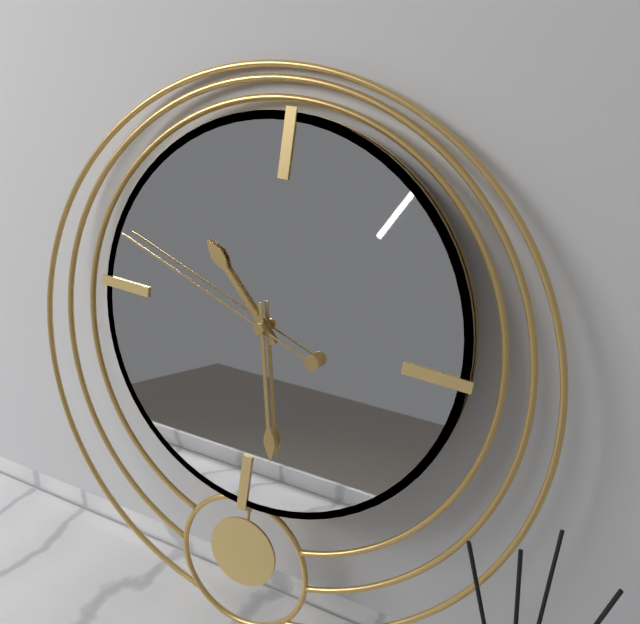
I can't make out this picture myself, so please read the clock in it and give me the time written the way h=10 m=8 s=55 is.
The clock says h=10 m=28 s=48
